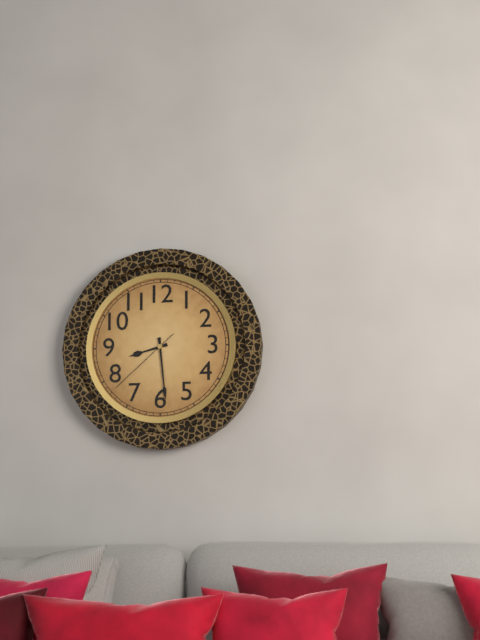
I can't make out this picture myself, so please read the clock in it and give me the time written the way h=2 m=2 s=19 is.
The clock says h=8 m=29 s=38
